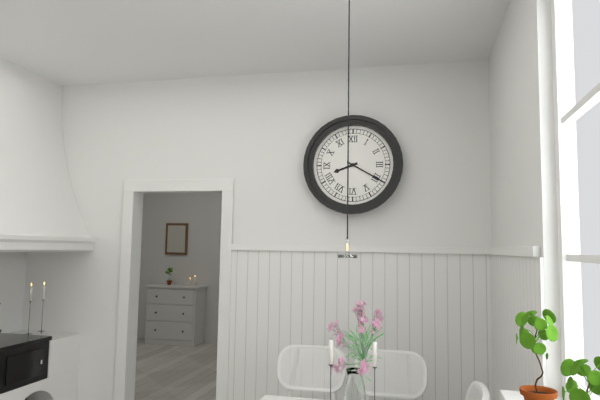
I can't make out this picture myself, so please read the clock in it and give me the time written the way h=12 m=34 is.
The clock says h=8 m=20
